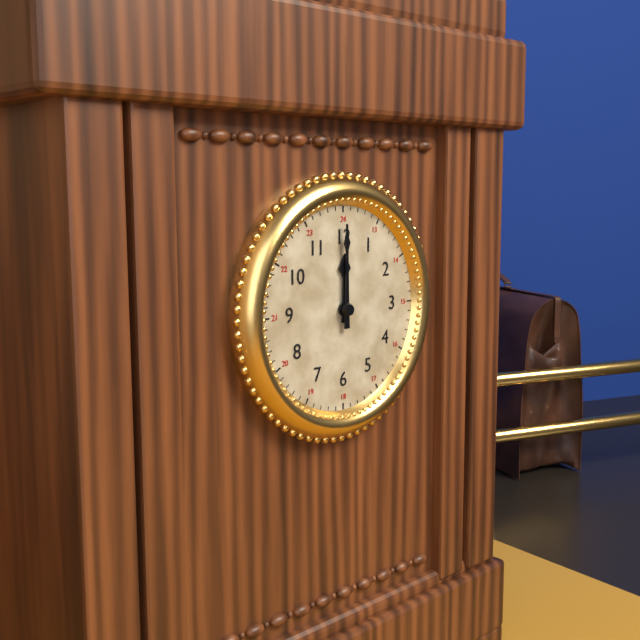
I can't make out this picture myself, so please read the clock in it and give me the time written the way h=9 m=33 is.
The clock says h=12 m=0
